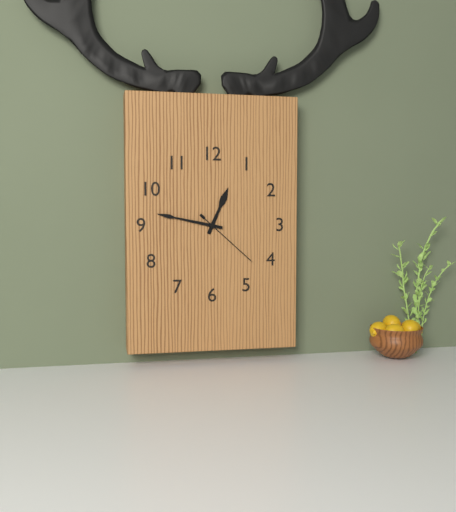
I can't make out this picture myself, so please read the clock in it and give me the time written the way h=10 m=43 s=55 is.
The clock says h=12 m=47 s=22
